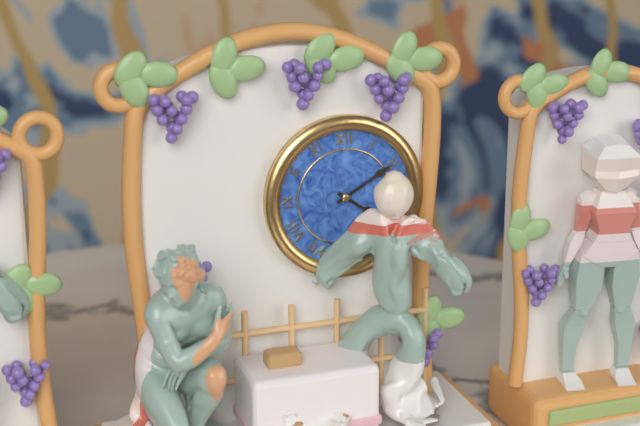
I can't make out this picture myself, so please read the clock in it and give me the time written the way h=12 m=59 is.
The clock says h=4 m=10
